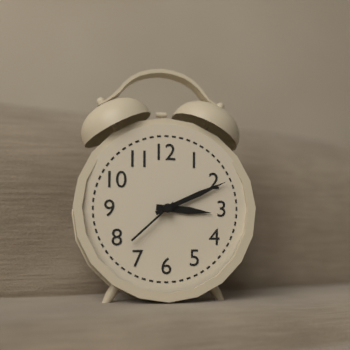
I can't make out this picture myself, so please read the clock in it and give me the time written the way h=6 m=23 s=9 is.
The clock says h=3 m=11 s=38
